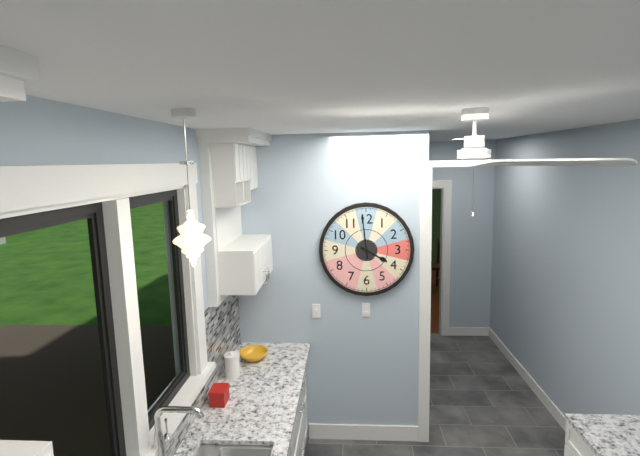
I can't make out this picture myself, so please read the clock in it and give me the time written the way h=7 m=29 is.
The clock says h=3 m=59
